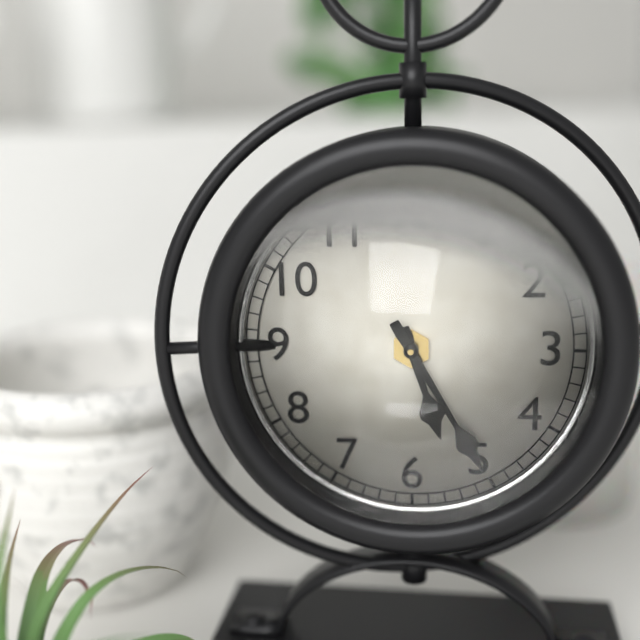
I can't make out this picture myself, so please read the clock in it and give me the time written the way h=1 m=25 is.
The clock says h=5 m=25
